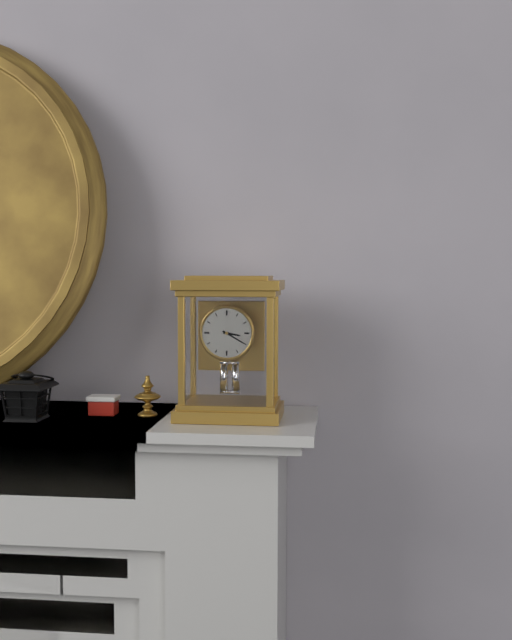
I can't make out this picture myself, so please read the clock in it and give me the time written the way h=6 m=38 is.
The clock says h=3 m=20
